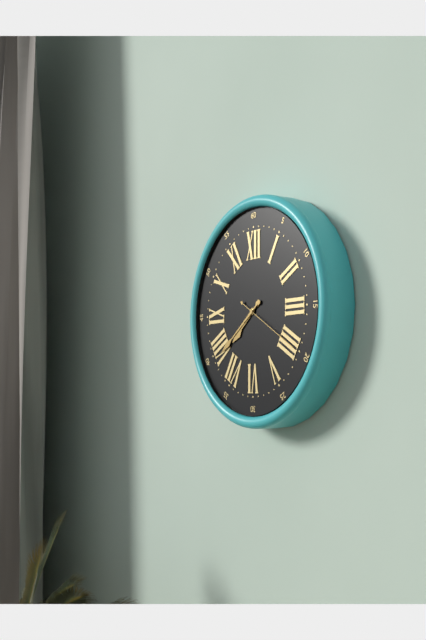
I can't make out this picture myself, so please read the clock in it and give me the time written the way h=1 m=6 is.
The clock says h=7 m=39
